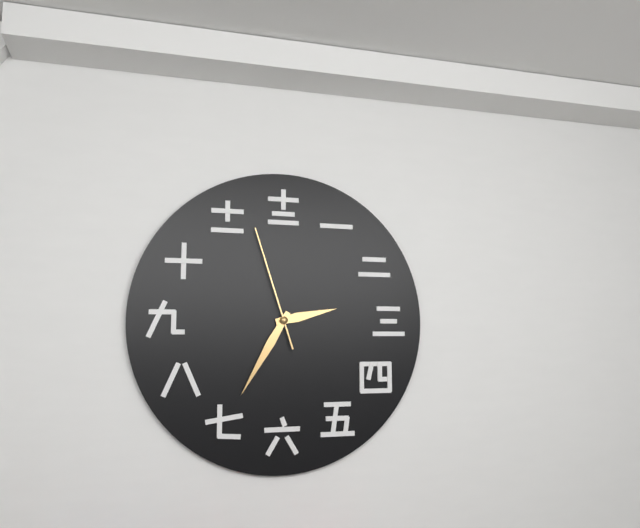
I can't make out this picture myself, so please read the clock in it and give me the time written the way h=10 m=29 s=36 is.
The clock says h=2 m=35 s=57
